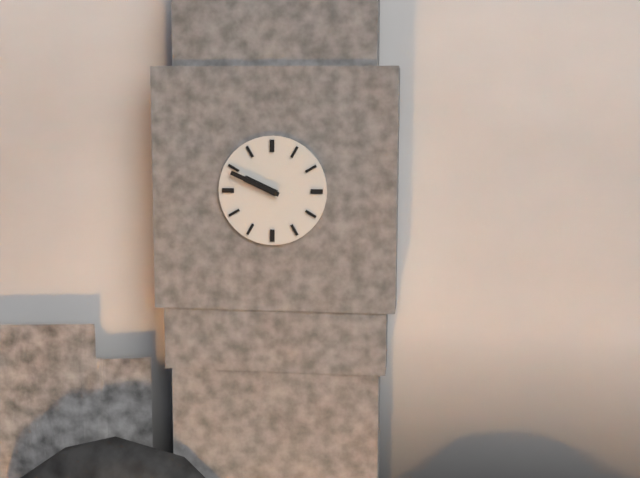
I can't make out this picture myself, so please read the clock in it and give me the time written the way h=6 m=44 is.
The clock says h=9 m=49
